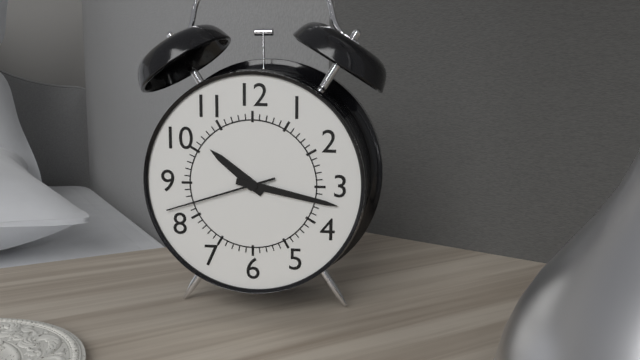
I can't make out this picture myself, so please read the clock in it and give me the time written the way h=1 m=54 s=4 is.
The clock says h=10 m=17 s=42
